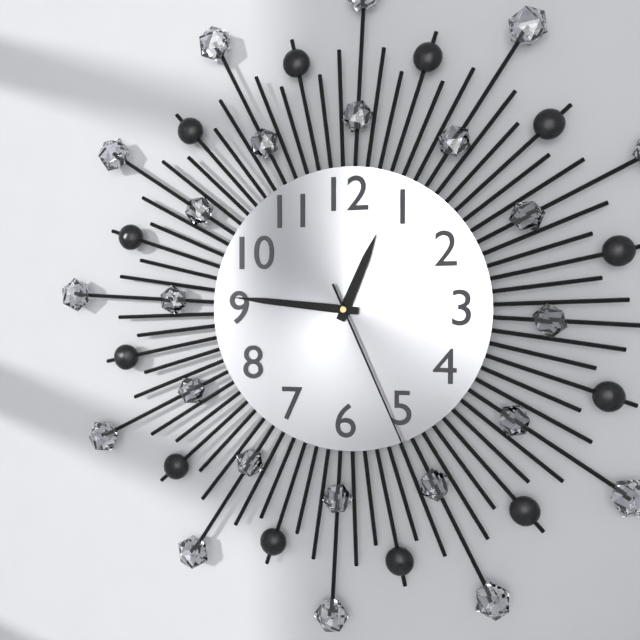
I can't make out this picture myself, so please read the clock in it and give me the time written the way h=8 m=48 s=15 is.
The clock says h=12 m=46 s=26
